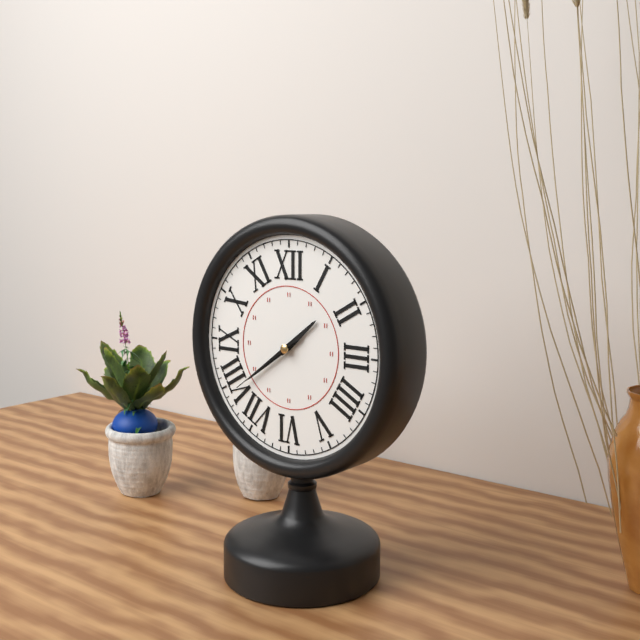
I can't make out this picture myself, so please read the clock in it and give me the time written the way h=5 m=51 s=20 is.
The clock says h=1 m=39 s=39
